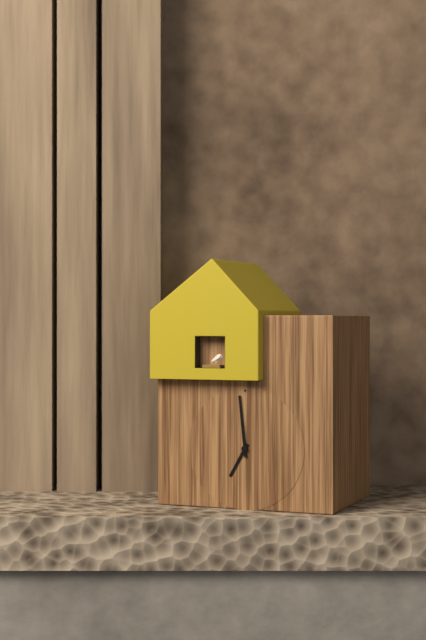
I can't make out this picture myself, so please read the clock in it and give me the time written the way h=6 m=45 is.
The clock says h=6 m=59
